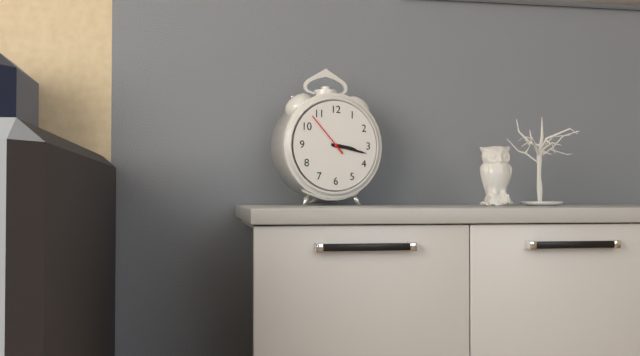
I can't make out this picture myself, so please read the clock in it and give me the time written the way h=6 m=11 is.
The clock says h=3 m=17
